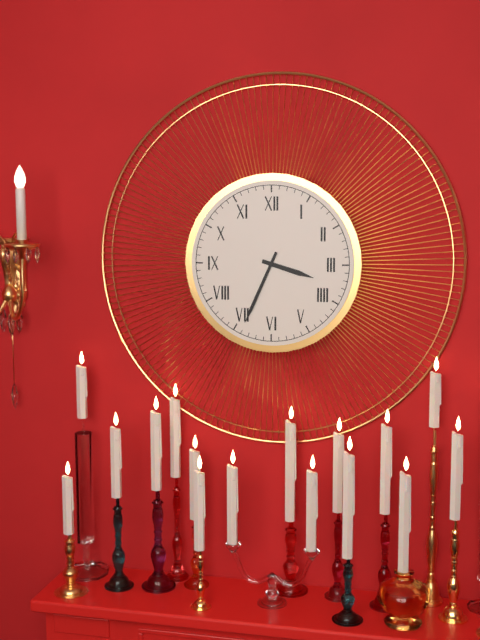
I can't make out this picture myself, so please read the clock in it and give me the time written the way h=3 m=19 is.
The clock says h=3 m=34
